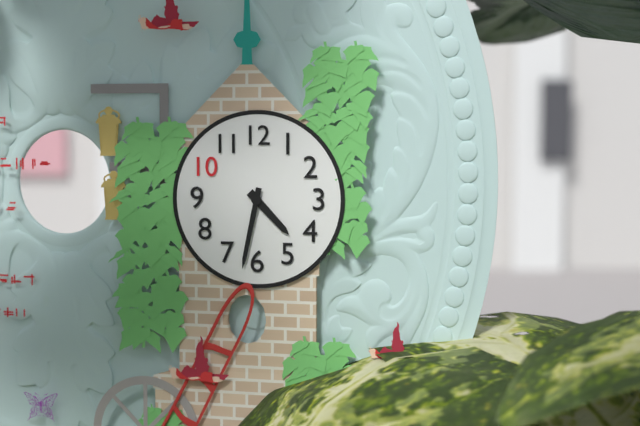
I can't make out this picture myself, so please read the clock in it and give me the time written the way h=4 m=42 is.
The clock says h=4 m=32
